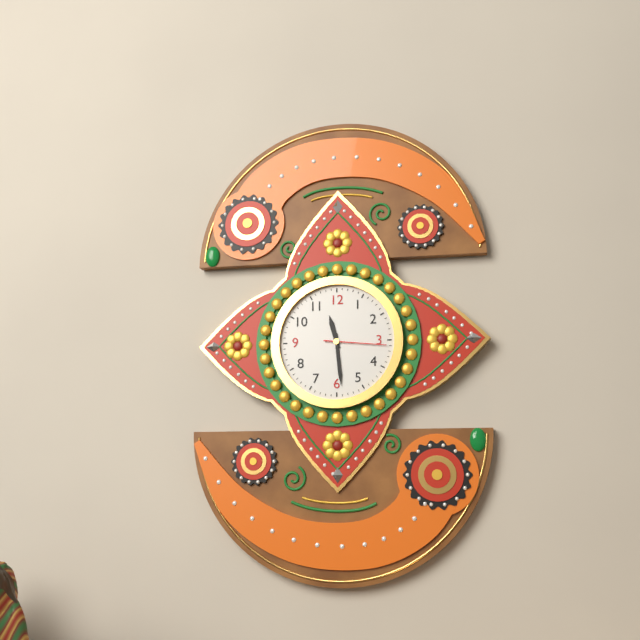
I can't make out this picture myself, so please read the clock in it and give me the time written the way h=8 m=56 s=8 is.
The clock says h=11 m=29 s=16
